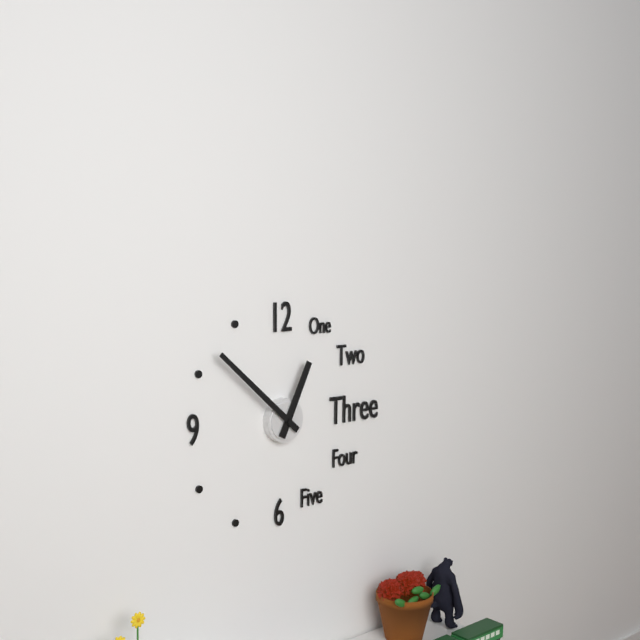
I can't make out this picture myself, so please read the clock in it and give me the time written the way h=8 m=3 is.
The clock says h=12 m=52
